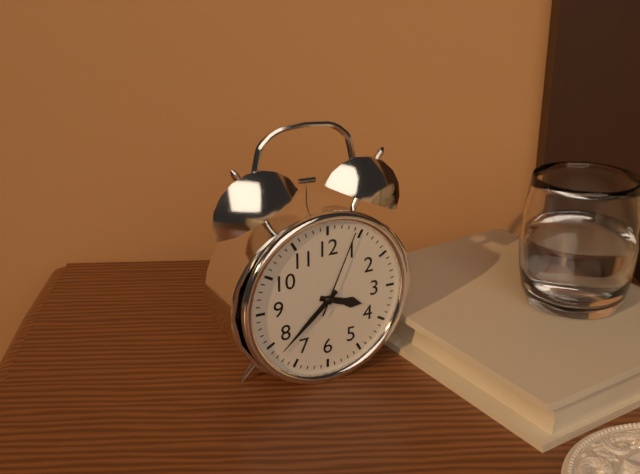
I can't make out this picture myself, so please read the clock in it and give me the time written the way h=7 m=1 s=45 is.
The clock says h=3 m=38 s=4
